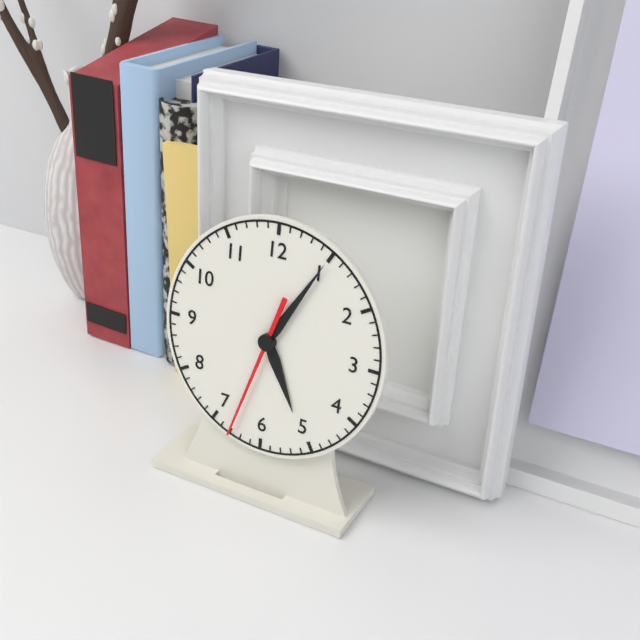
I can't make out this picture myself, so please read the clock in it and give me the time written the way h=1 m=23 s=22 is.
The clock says h=5 m=5 s=33
